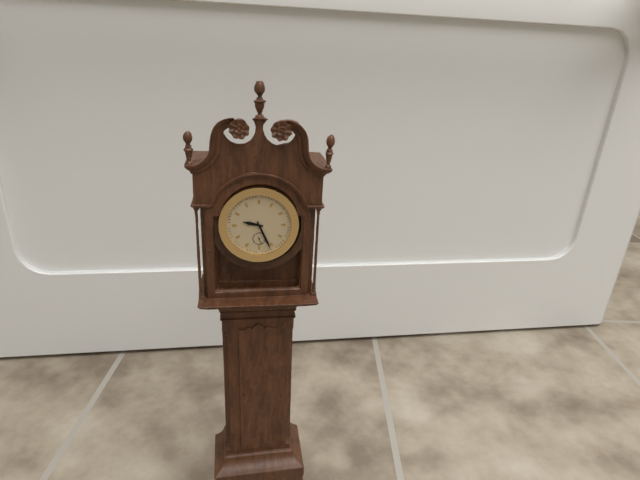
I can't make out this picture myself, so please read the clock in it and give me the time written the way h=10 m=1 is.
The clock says h=9 m=26
